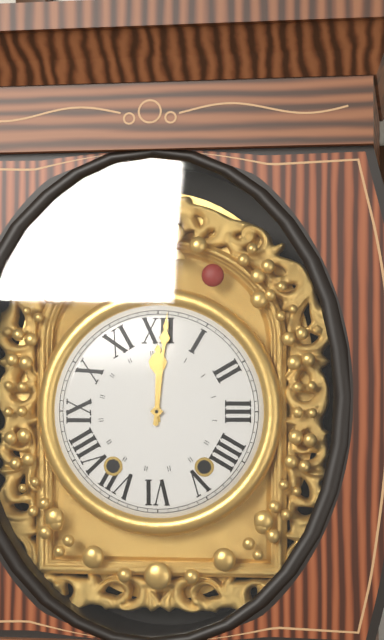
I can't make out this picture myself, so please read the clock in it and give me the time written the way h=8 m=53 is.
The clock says h=12 m=1
